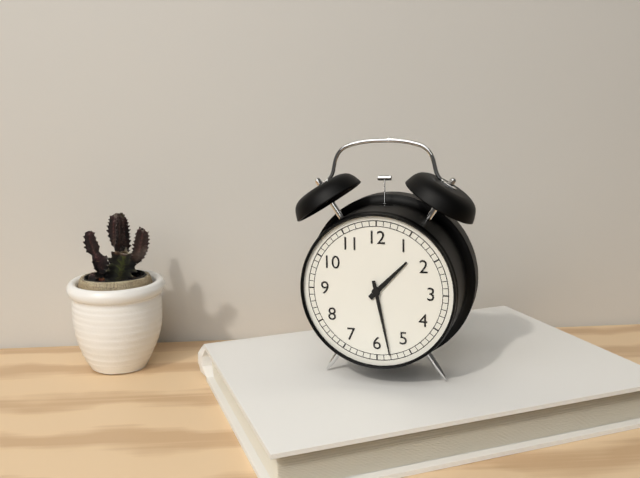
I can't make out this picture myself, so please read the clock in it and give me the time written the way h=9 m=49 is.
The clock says h=1 m=28
